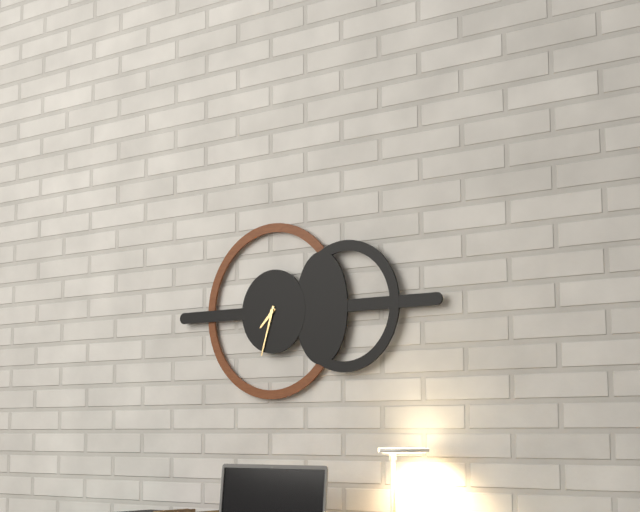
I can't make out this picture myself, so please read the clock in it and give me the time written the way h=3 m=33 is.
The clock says h=7 m=33
